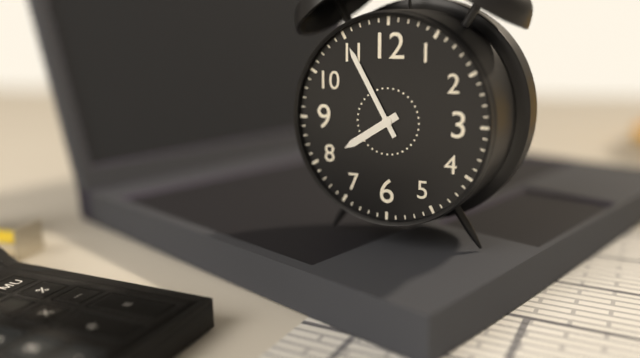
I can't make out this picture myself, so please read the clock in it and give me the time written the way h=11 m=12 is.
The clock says h=7 m=55
